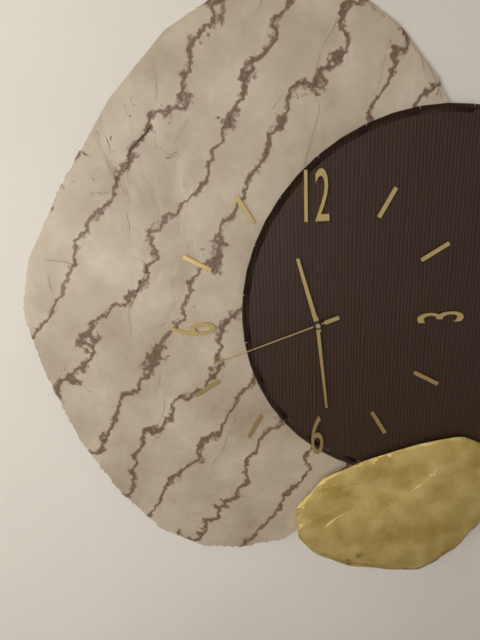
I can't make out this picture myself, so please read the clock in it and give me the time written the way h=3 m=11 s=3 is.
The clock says h=11 m=29 s=42
